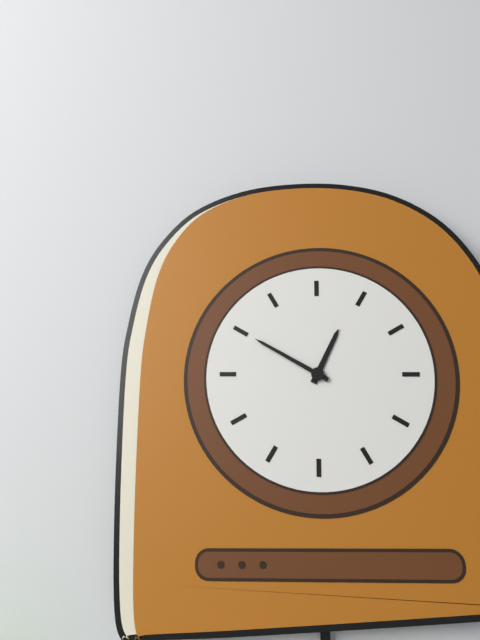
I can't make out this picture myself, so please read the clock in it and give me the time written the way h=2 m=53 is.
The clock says h=12 m=50
